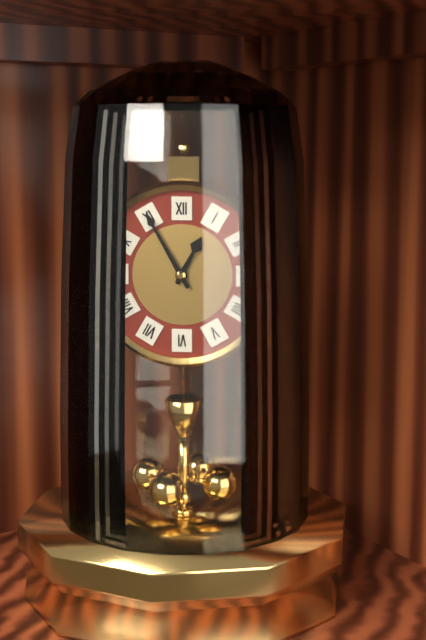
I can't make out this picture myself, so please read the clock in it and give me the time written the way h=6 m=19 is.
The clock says h=12 m=55
